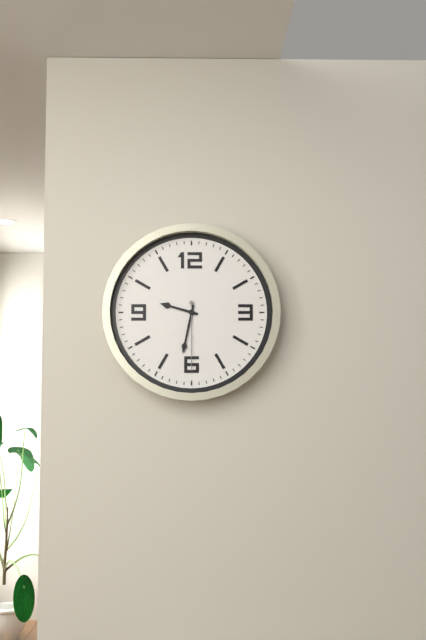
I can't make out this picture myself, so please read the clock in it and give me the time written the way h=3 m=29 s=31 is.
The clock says h=9 m=32 s=30
